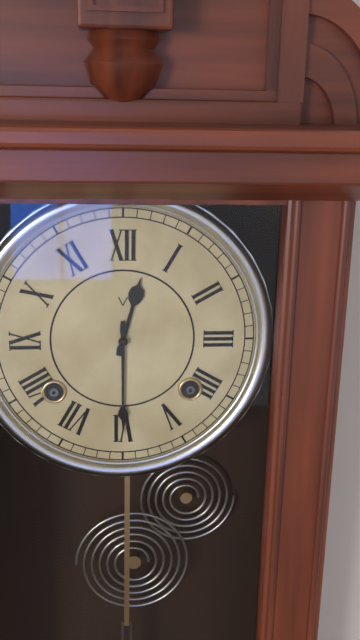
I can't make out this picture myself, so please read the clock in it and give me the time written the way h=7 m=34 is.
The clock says h=12 m=30
